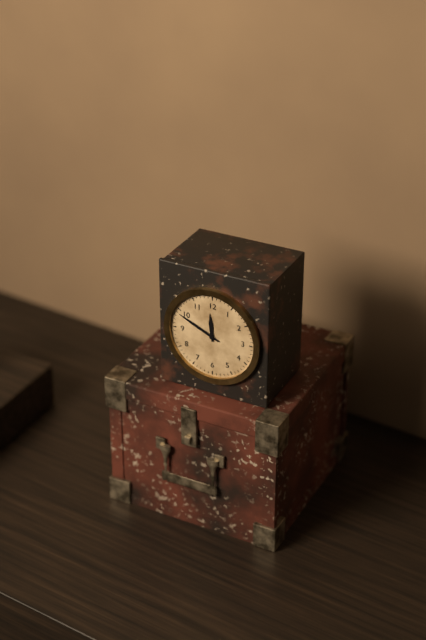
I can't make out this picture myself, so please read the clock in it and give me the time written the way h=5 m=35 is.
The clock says h=11 m=49
